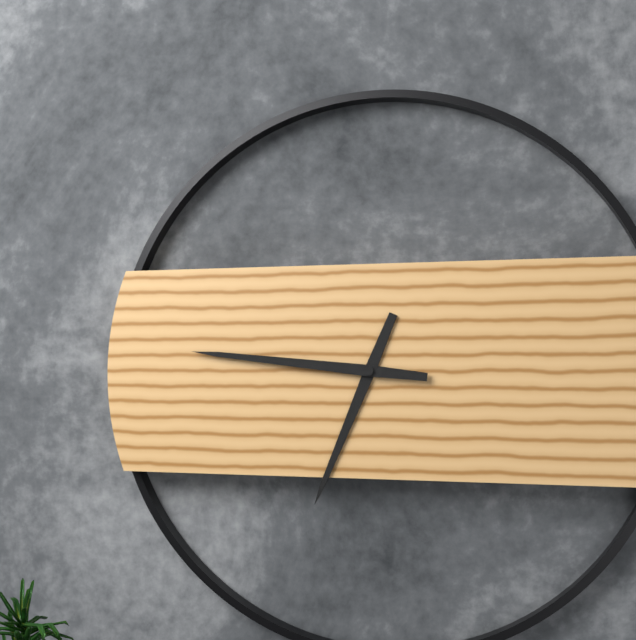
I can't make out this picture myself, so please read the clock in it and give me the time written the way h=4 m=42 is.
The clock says h=6 m=46
